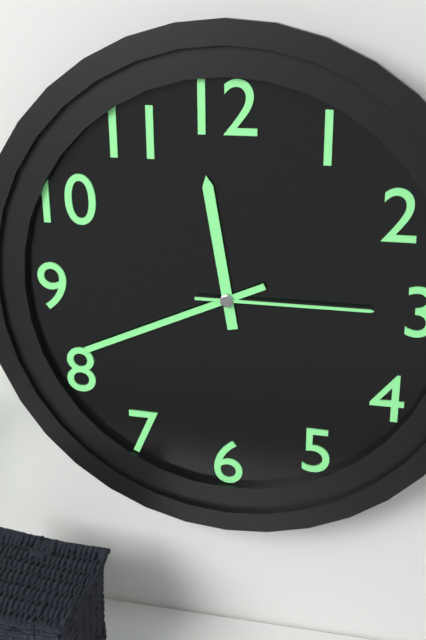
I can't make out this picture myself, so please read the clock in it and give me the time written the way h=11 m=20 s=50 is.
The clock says h=11 m=41 s=15
